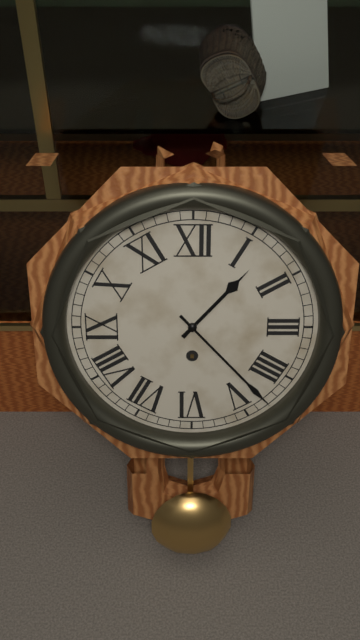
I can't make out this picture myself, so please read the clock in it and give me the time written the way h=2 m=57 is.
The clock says h=1 m=23
